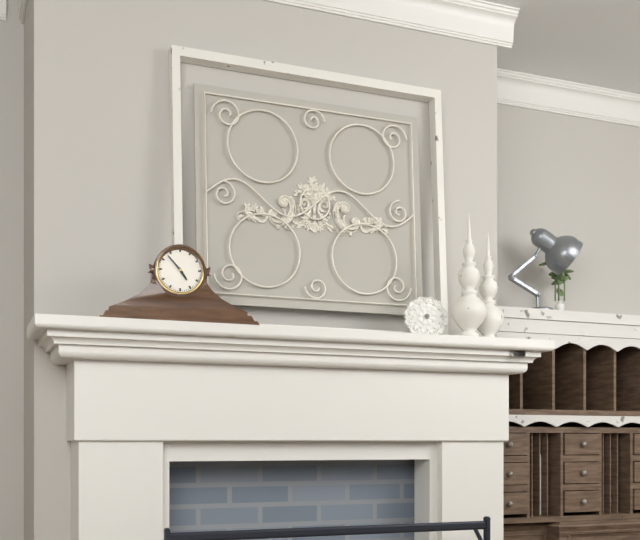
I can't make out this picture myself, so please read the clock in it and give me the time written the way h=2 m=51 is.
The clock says h=4 m=53
